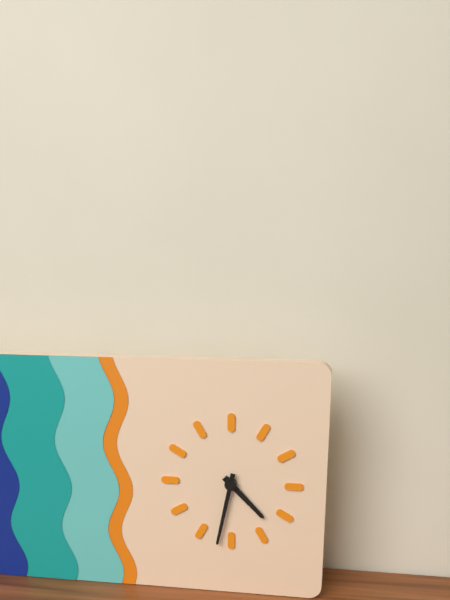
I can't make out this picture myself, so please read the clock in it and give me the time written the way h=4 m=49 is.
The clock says h=4 m=32
